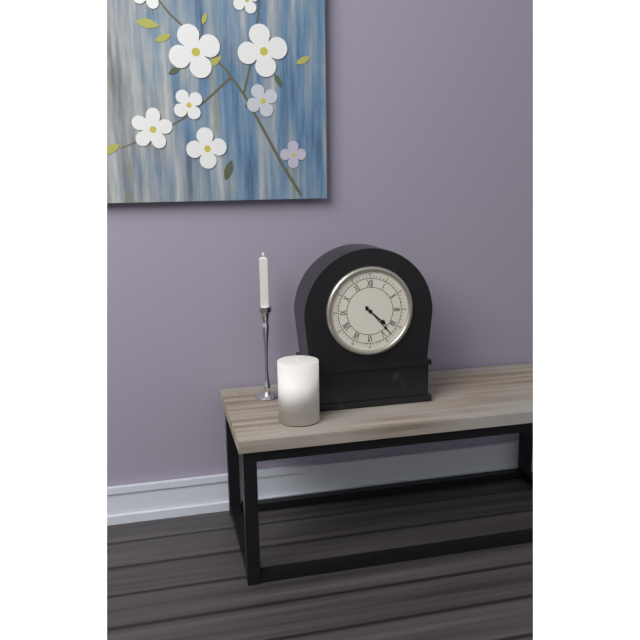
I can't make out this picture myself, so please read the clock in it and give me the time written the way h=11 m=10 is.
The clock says h=4 m=23
